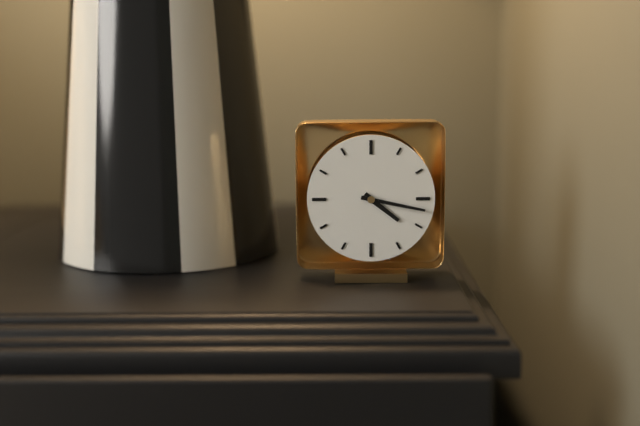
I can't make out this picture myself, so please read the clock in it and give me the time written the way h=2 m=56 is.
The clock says h=4 m=17
